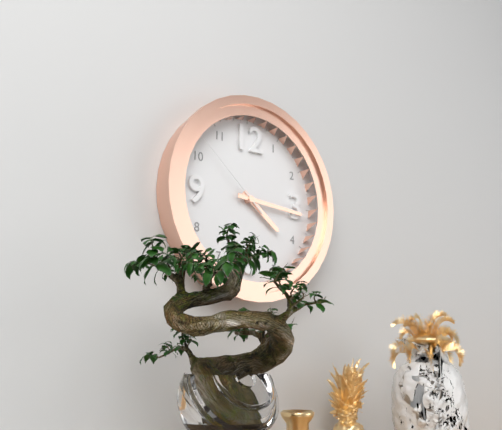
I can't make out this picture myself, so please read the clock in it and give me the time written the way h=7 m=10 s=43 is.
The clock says h=4 m=16 s=52
